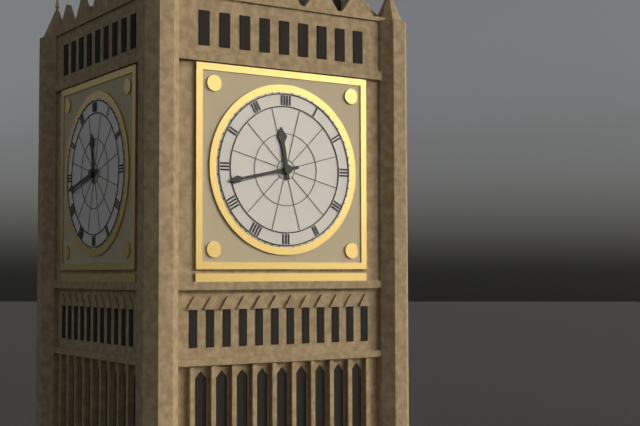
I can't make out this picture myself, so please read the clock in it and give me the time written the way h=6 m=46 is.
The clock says h=11 m=43
